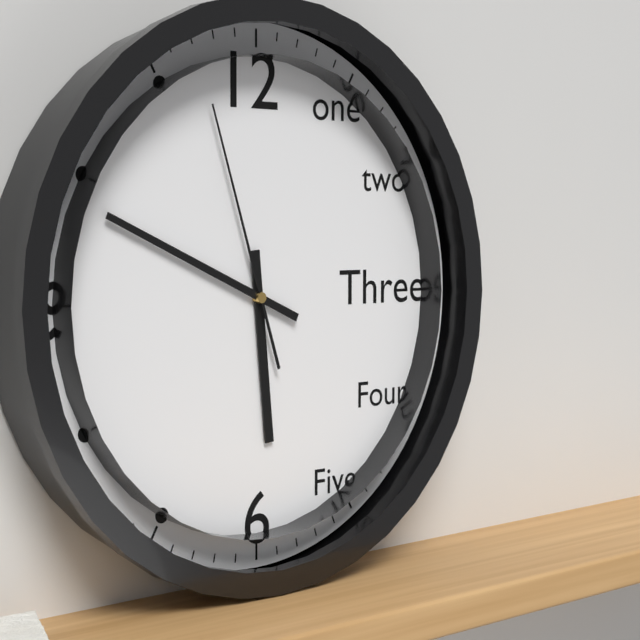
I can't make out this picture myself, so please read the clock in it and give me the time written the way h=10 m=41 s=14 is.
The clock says h=5 m=49 s=57
